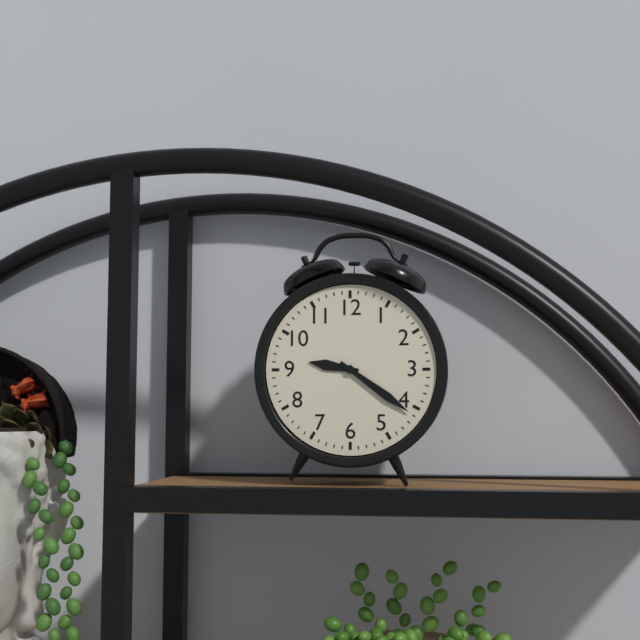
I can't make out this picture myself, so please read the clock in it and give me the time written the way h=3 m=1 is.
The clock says h=9 m=21
